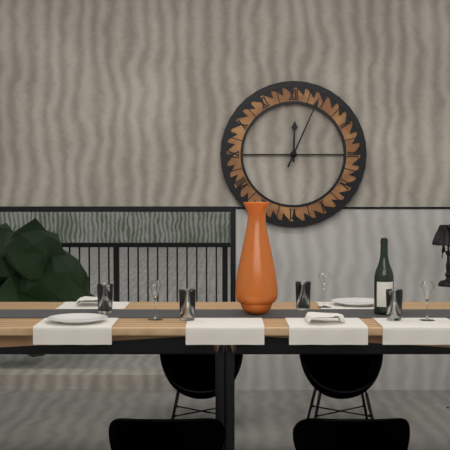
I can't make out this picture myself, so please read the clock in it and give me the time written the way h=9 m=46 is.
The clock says h=12 m=4
